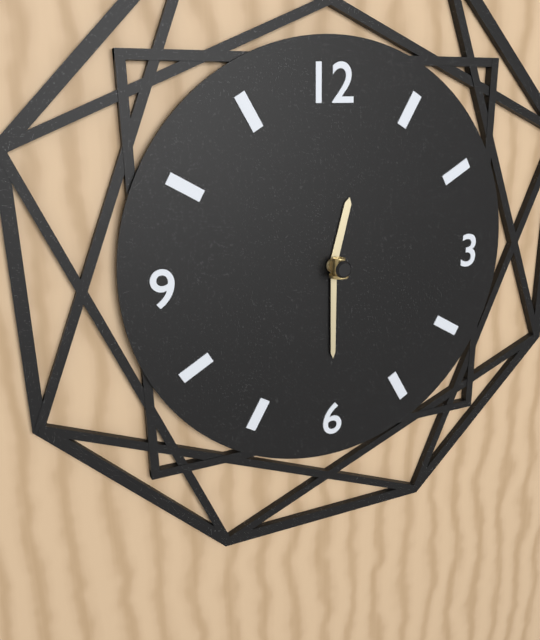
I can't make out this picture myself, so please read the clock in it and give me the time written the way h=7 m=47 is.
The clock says h=12 m=30
